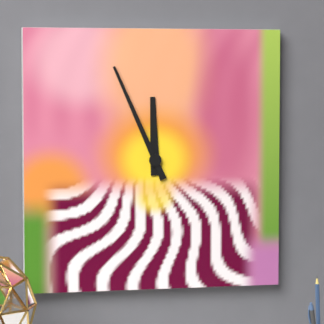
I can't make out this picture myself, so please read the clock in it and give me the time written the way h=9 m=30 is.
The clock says h=11 m=56
